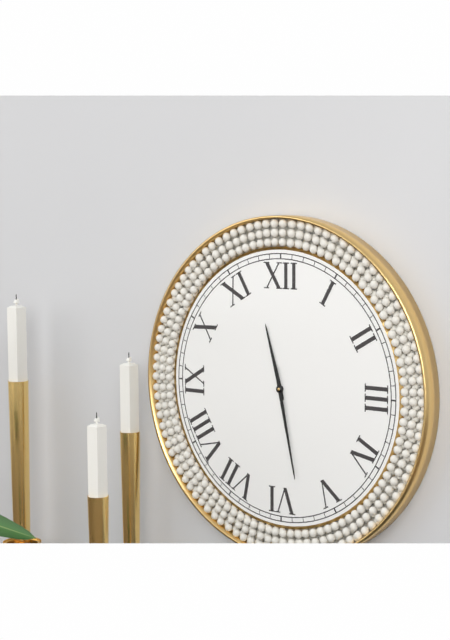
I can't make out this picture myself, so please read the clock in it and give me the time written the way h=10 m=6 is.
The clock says h=11 m=28
